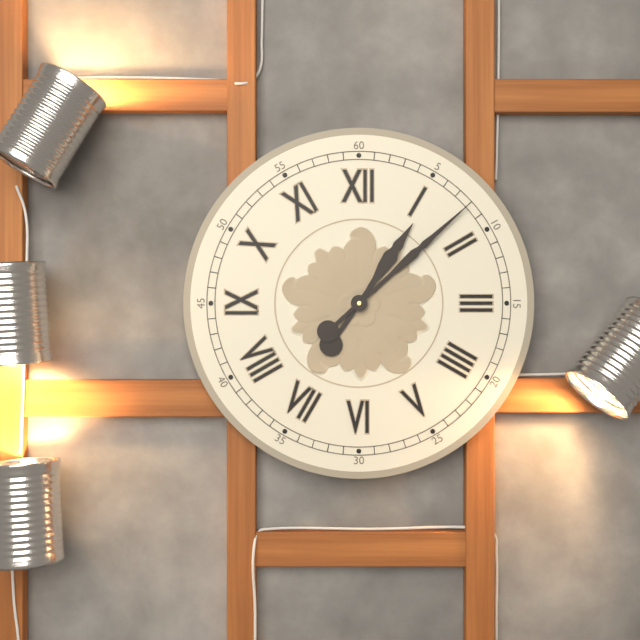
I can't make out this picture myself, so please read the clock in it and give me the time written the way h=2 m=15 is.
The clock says h=1 m=8
